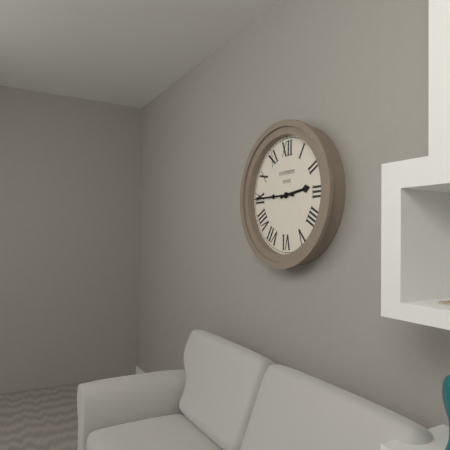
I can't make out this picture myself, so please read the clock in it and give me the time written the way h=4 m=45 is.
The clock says h=2 m=45
